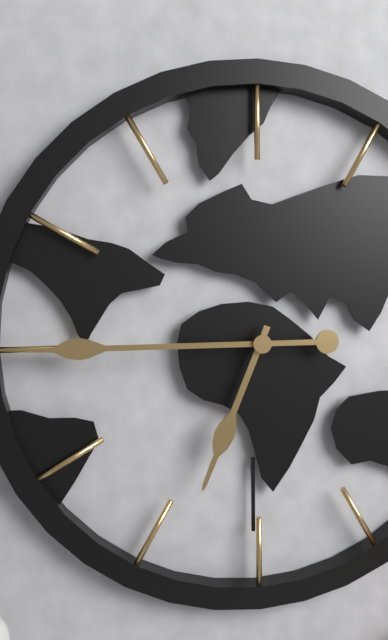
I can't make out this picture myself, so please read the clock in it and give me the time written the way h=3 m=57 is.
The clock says h=6 m=45
